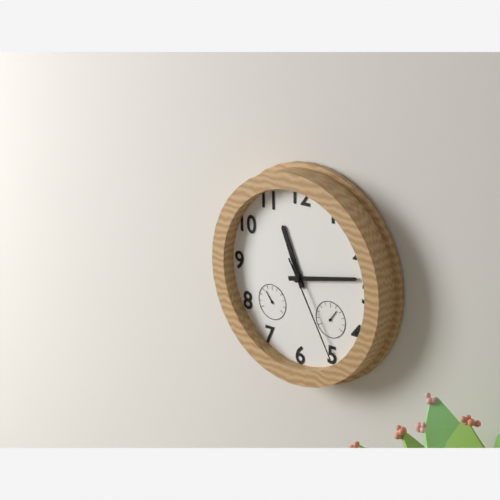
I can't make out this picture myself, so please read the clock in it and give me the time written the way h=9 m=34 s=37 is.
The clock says h=11 m=13 s=25
